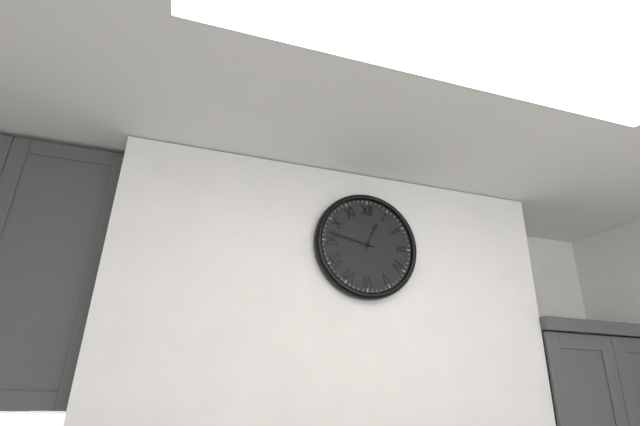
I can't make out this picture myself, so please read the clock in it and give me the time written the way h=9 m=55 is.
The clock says h=12 m=47
